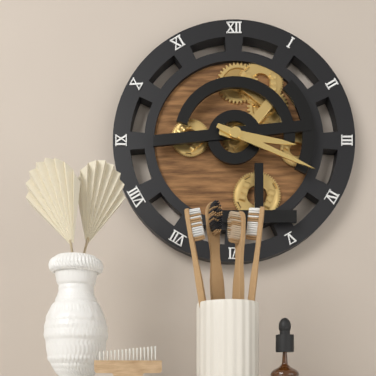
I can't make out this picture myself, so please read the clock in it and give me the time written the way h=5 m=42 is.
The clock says h=3 m=19
